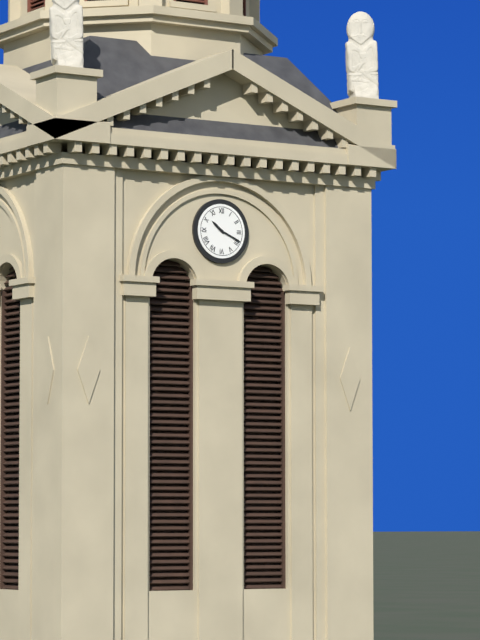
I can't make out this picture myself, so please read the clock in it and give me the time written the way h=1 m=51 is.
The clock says h=10 m=19
